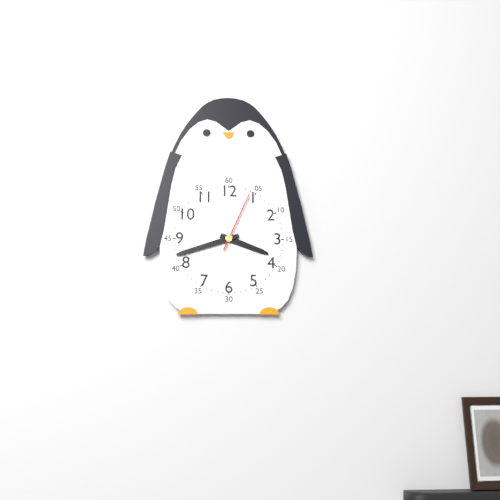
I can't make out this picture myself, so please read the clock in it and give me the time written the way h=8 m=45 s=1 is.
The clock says h=3 m=42 s=4
